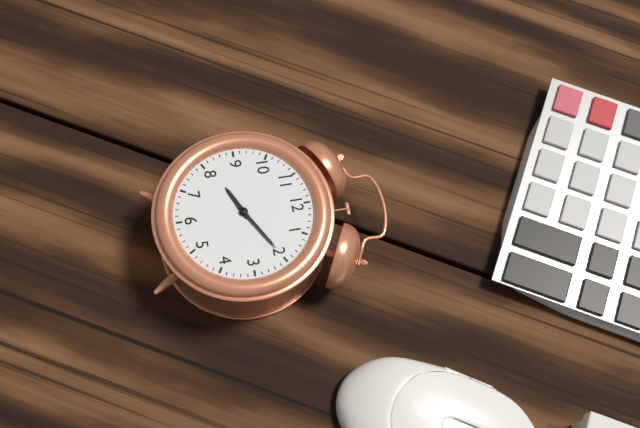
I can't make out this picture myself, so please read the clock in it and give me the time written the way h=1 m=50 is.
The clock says h=8 m=10
